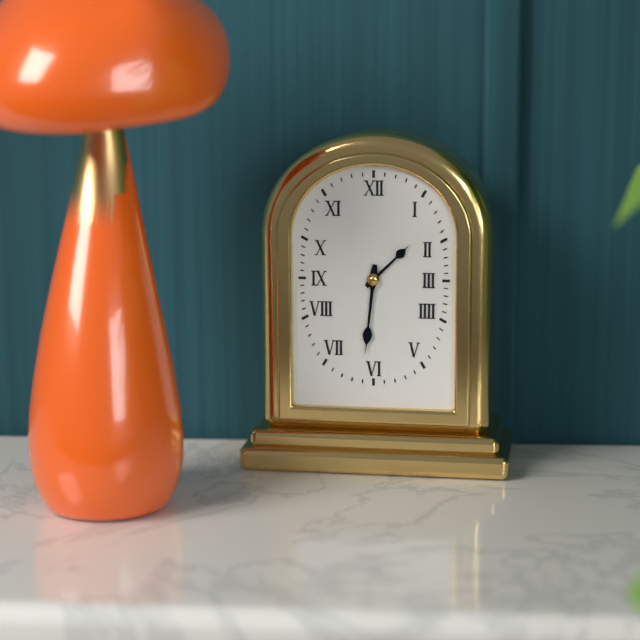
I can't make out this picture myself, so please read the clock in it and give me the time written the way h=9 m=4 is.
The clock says h=1 m=31
